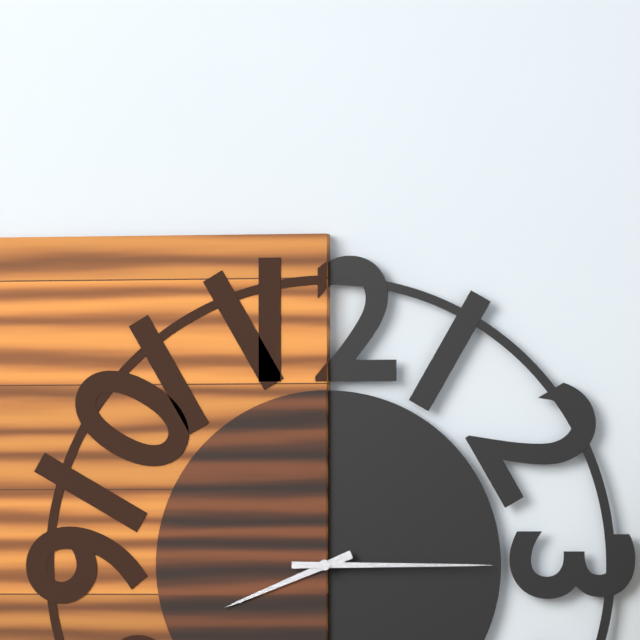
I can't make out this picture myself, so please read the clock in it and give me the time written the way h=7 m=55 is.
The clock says h=8 m=15
